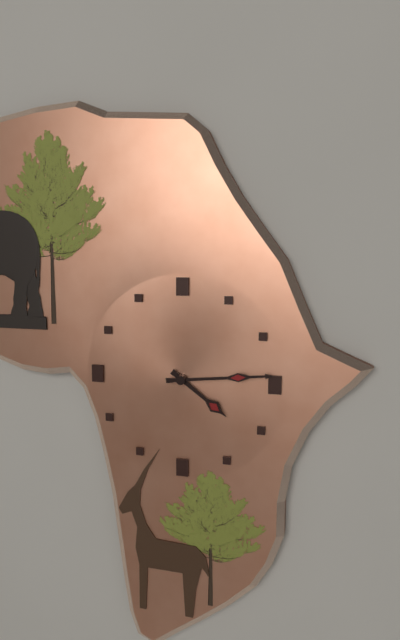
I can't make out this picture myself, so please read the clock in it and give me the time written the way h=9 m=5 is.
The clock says h=4 m=14
